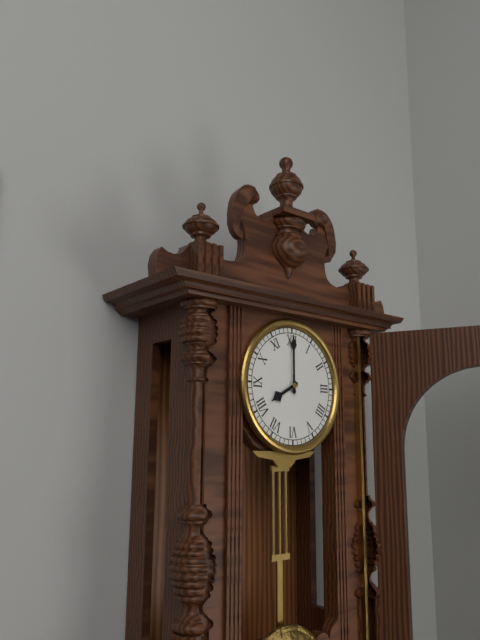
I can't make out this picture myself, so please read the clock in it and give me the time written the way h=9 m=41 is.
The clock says h=8 m=0
